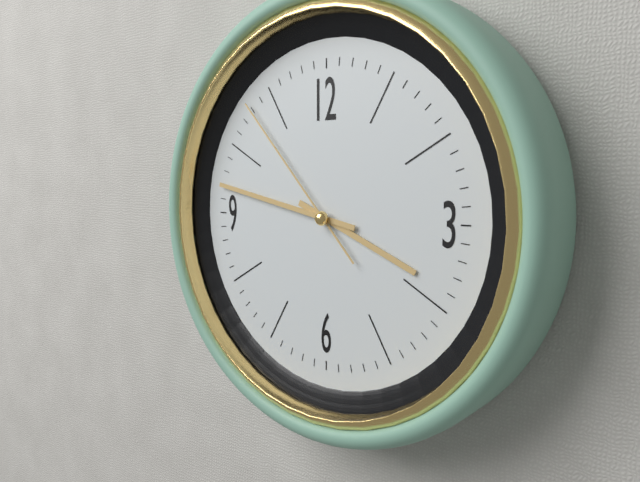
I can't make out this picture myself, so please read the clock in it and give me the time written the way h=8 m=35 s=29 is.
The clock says h=3 m=47 s=53
